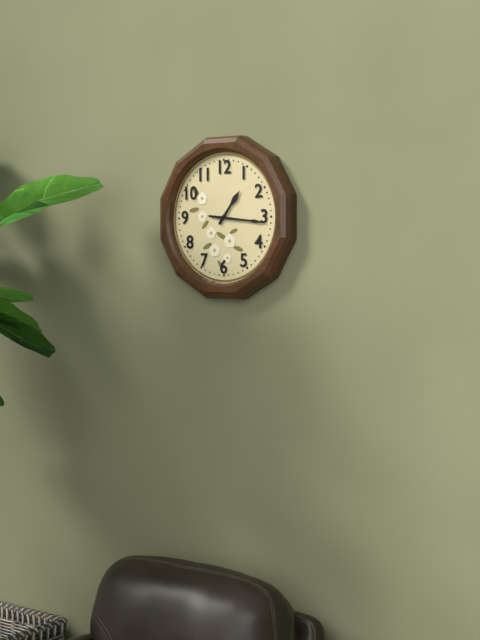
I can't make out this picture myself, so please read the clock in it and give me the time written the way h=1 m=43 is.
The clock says h=1 m=16
